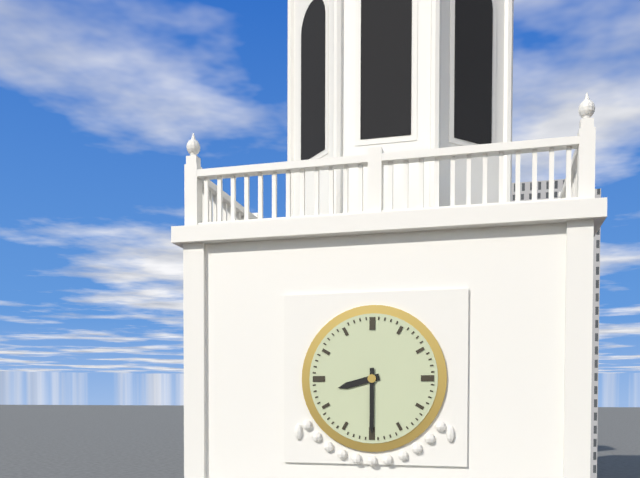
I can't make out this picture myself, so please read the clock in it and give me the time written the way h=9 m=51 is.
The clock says h=8 m=30
